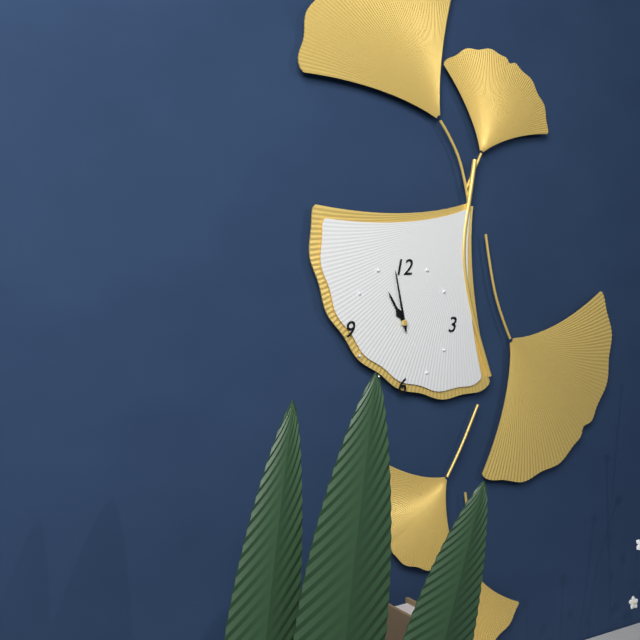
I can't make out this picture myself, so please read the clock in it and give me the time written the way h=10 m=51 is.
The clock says h=10 m=58
